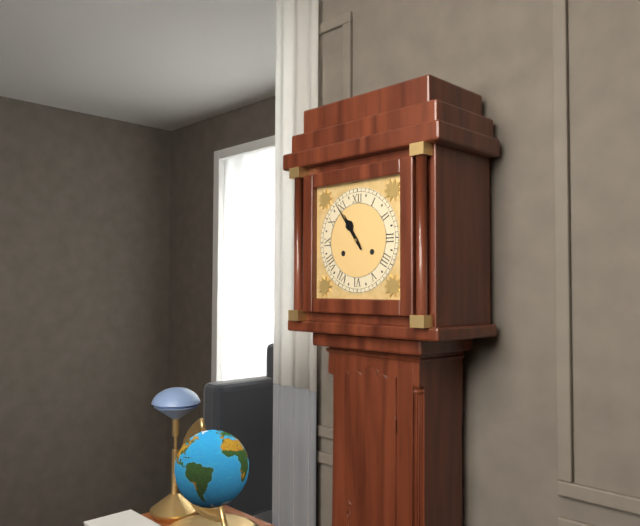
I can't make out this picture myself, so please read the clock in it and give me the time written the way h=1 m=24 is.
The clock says h=10 m=54
